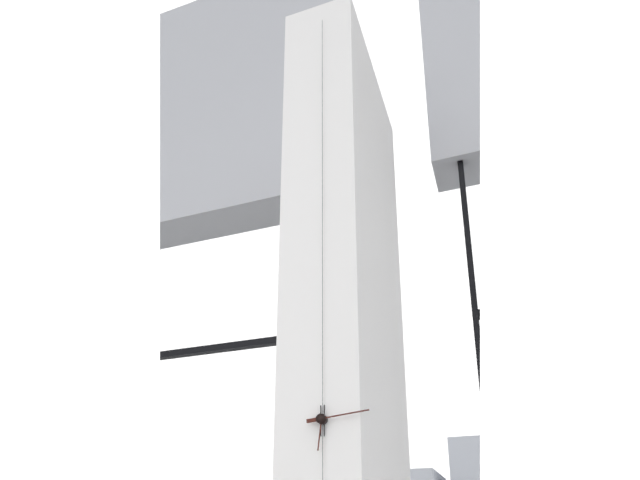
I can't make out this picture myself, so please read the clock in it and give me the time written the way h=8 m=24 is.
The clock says h=6 m=14
